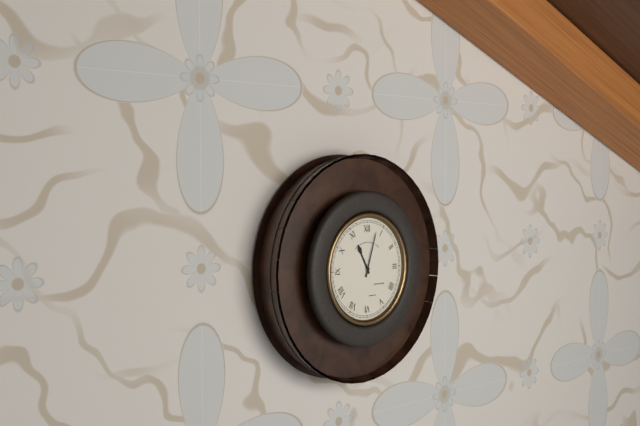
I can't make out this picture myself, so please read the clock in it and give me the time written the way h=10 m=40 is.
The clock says h=11 m=3
